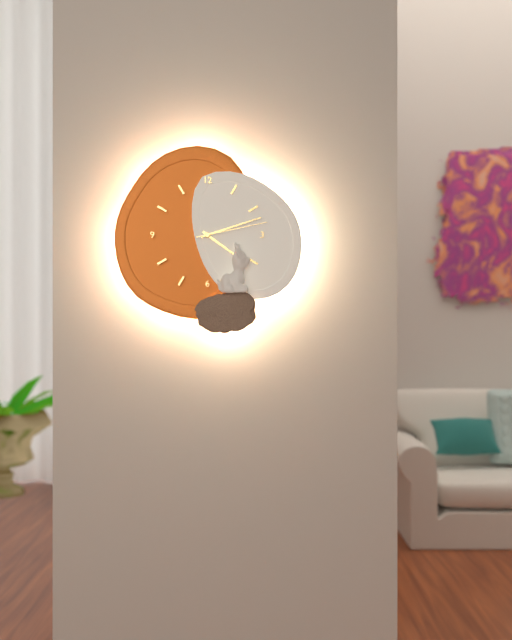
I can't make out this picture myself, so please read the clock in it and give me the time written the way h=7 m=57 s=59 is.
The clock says h=4 m=12 s=13
